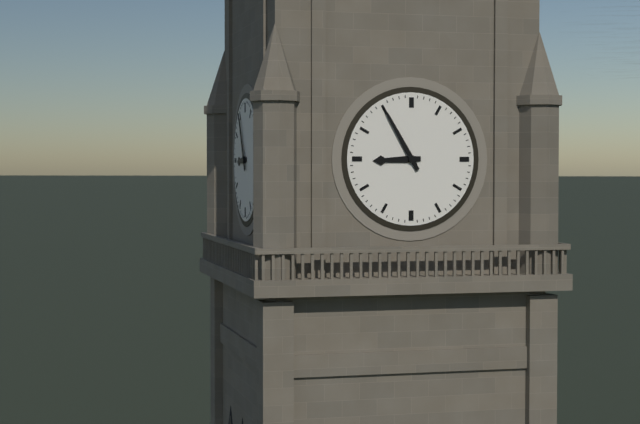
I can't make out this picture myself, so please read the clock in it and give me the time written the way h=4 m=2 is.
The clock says h=8 m=55
